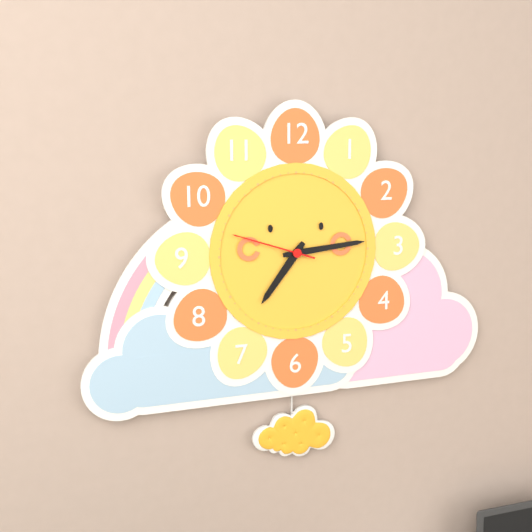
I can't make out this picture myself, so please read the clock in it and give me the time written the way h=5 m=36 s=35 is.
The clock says h=7 m=14 s=48
